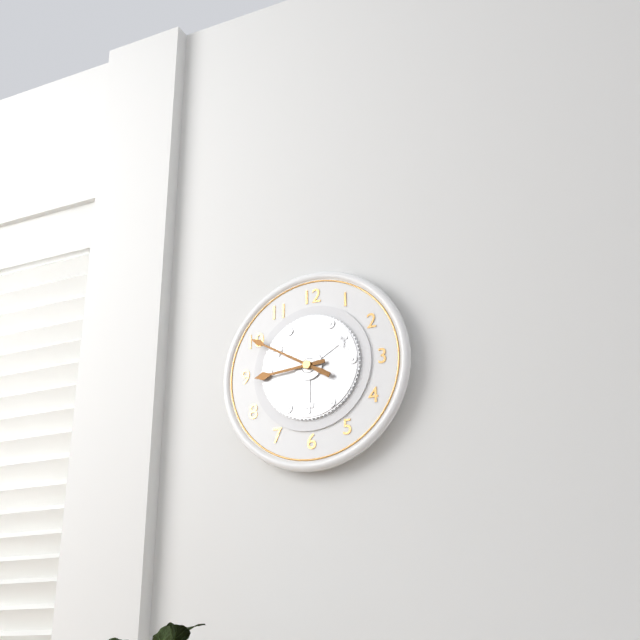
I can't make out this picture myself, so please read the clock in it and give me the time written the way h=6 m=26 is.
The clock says h=8 m=50
